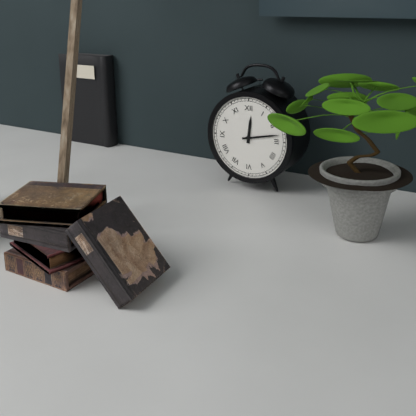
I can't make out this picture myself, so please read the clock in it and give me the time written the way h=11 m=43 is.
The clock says h=12 m=13
